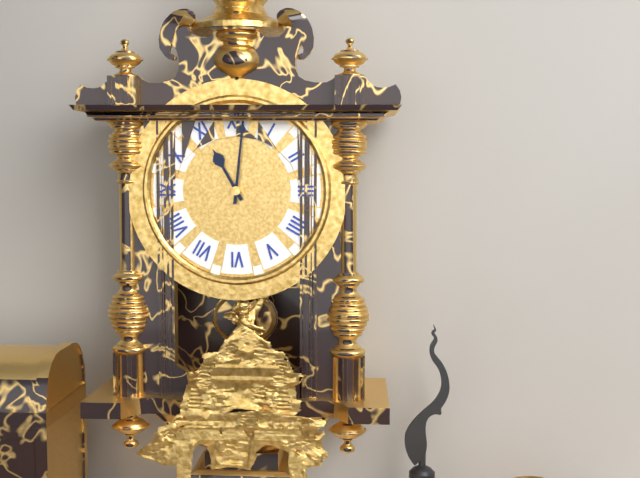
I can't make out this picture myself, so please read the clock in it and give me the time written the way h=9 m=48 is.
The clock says h=11 m=1
